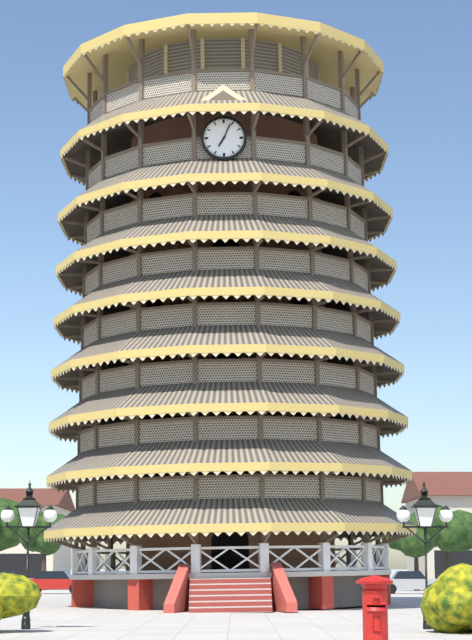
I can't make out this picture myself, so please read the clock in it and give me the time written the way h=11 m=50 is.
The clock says h=7 m=4
